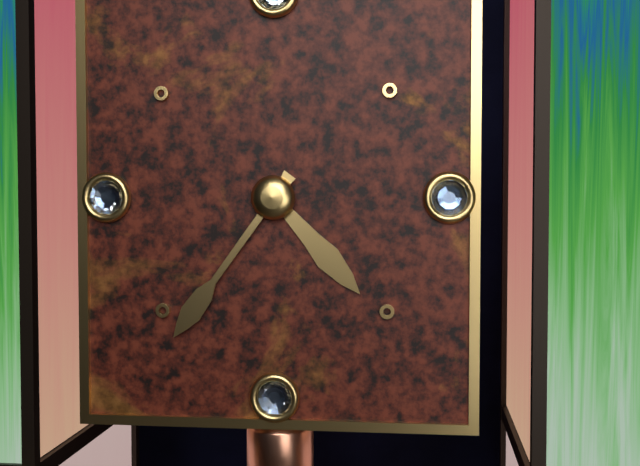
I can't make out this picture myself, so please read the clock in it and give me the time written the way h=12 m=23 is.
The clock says h=4 m=36
